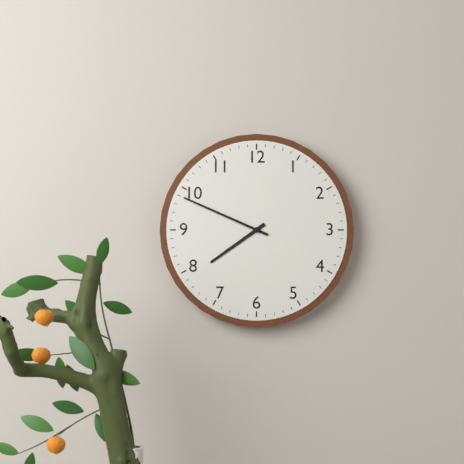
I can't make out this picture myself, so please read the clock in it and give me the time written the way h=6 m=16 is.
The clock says h=7 m=49
